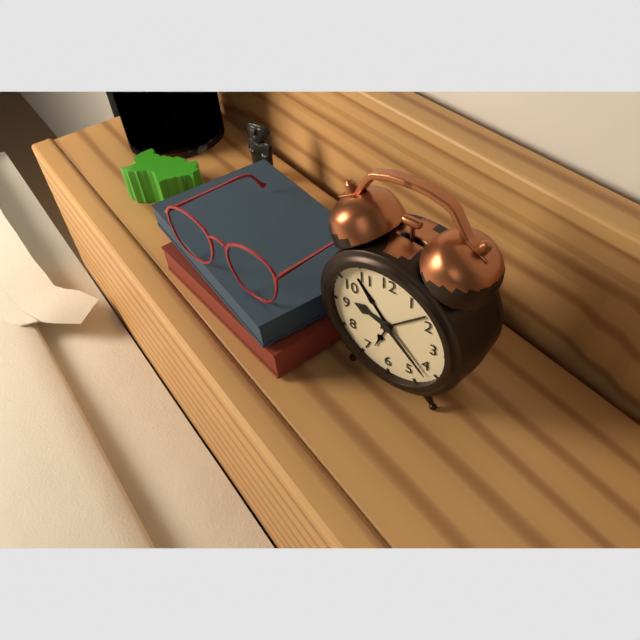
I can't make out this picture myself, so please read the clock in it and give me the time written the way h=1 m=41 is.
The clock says h=9 m=22
